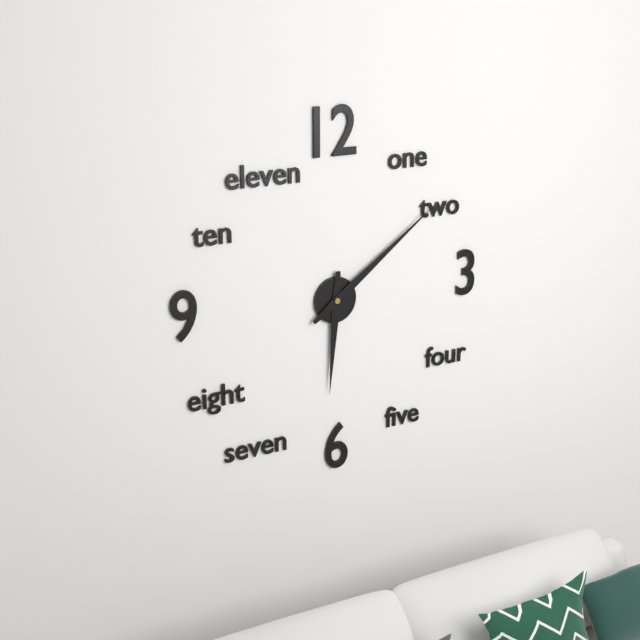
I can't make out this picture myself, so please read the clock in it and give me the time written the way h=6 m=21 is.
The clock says h=6 m=9
